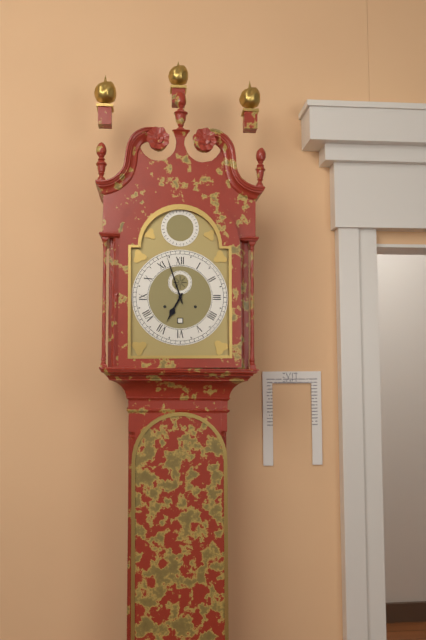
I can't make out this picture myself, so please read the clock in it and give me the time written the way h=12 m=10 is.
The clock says h=6 m=57
